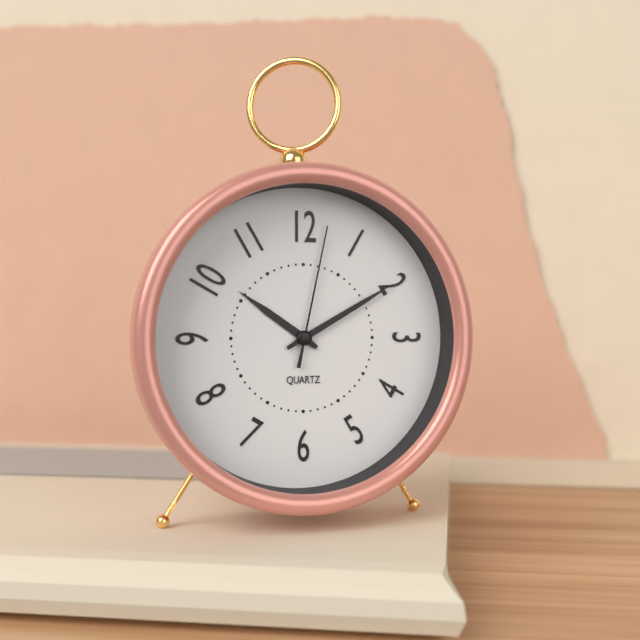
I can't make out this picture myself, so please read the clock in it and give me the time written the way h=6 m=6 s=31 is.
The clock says h=10 m=10 s=2
